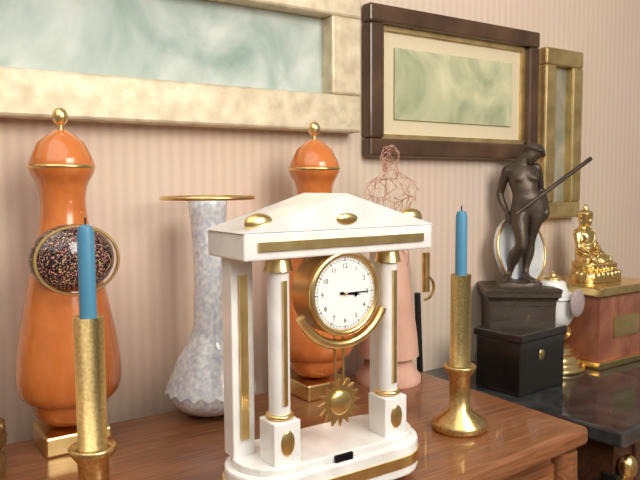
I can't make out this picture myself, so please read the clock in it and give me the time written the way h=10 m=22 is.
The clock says h=3 m=15
